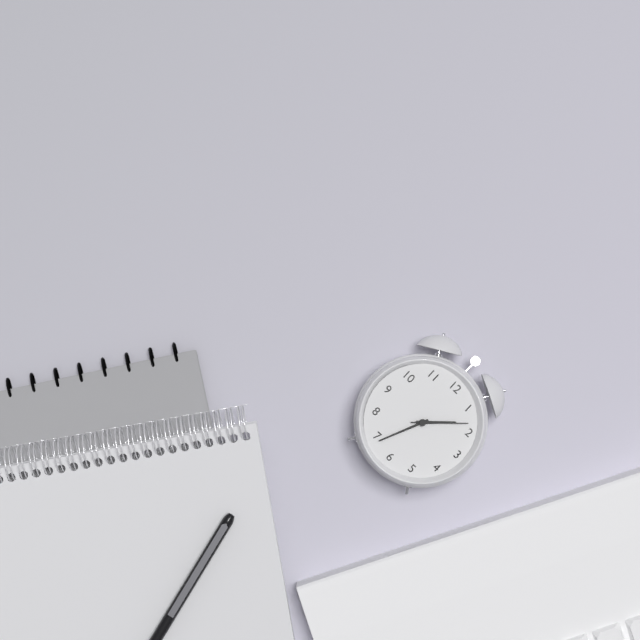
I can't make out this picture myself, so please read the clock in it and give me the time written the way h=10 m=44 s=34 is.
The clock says h=1 m=34 s=8
